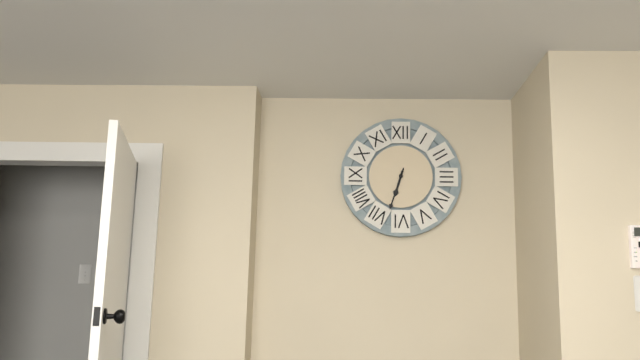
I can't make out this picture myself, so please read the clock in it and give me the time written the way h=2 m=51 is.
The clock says h=6 m=33
